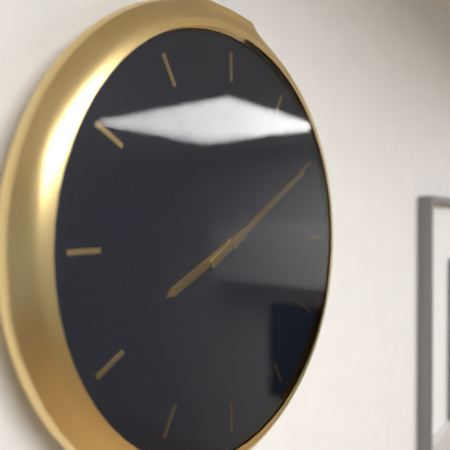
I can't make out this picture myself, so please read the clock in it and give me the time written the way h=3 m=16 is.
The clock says h=8 m=10
